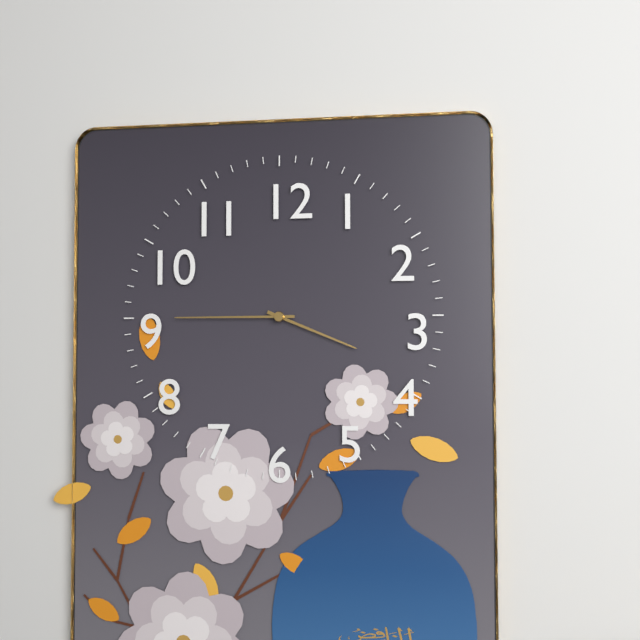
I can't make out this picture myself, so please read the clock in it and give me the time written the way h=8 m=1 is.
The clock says h=3 m=45
